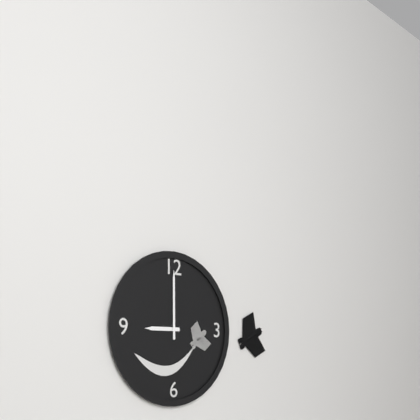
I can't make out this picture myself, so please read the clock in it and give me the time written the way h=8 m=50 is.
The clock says h=9 m=0
